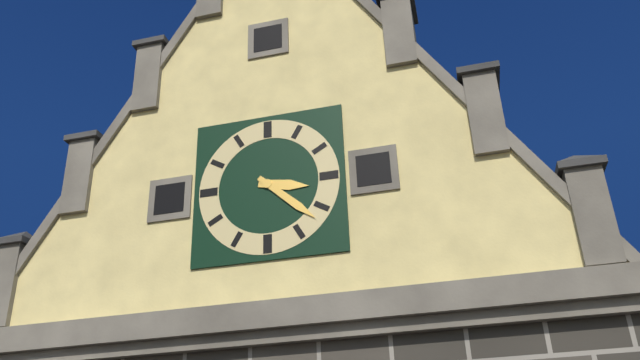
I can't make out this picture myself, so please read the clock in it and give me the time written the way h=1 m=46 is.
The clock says h=3 m=22
